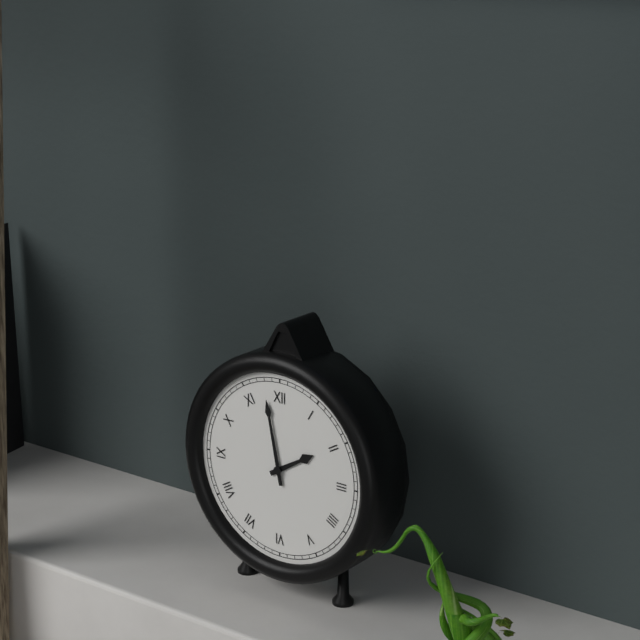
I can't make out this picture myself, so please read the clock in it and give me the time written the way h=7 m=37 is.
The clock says h=1 m=58
